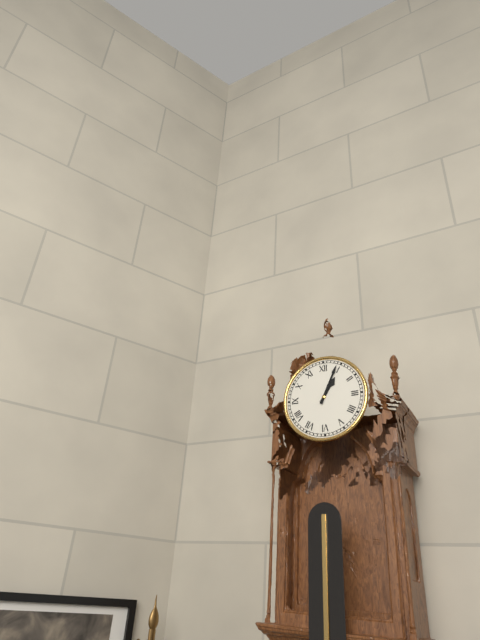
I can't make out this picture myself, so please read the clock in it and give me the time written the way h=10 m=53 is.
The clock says h=1 m=4
